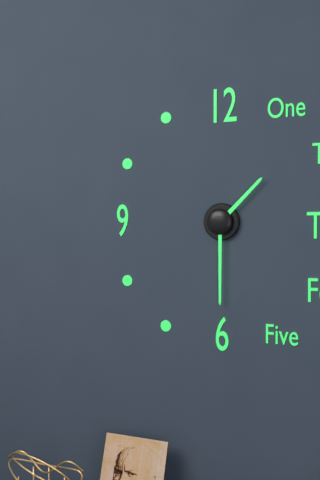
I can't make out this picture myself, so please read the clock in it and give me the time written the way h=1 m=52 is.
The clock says h=1 m=30
